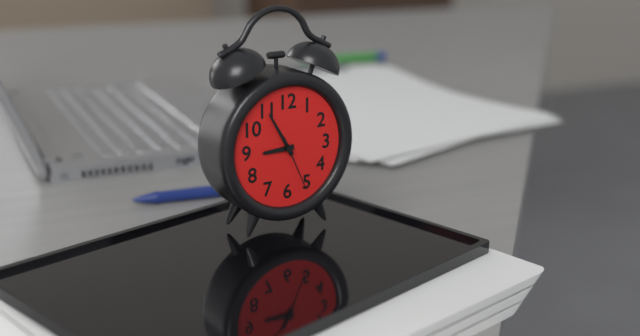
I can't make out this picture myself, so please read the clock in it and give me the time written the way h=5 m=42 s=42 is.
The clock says h=8 m=55 s=26
